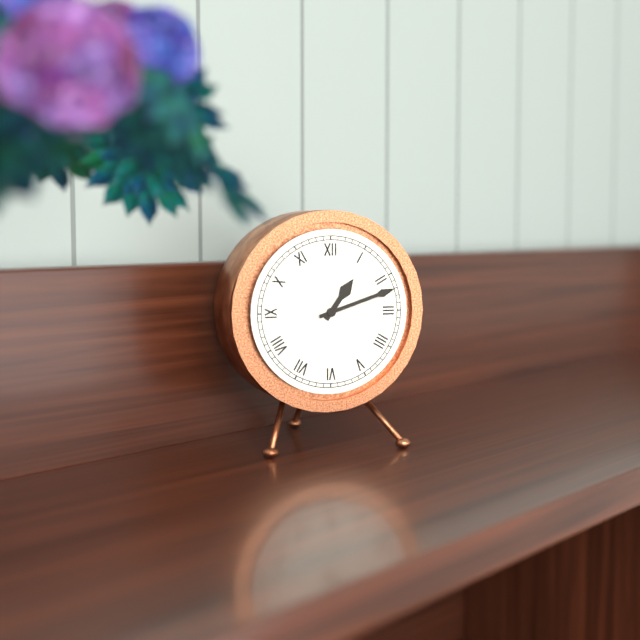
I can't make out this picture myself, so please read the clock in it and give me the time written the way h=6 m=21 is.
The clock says h=1 m=12
